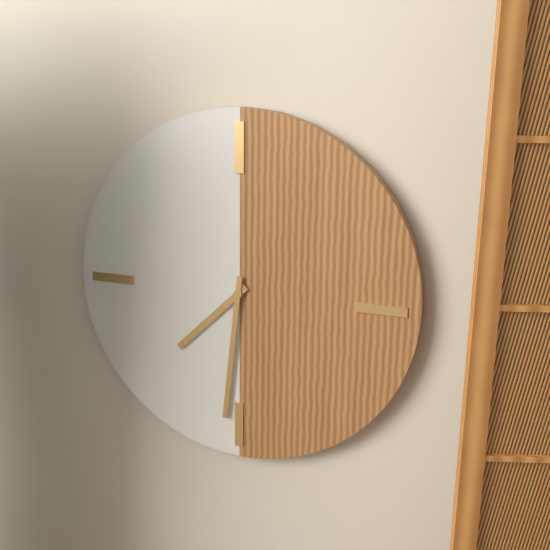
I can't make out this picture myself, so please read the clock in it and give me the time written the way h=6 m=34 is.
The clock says h=7 m=31
